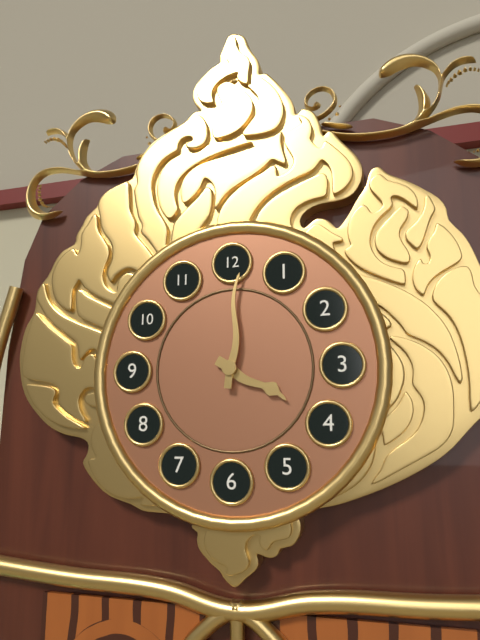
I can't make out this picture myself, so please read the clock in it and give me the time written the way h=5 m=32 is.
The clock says h=4 m=1
